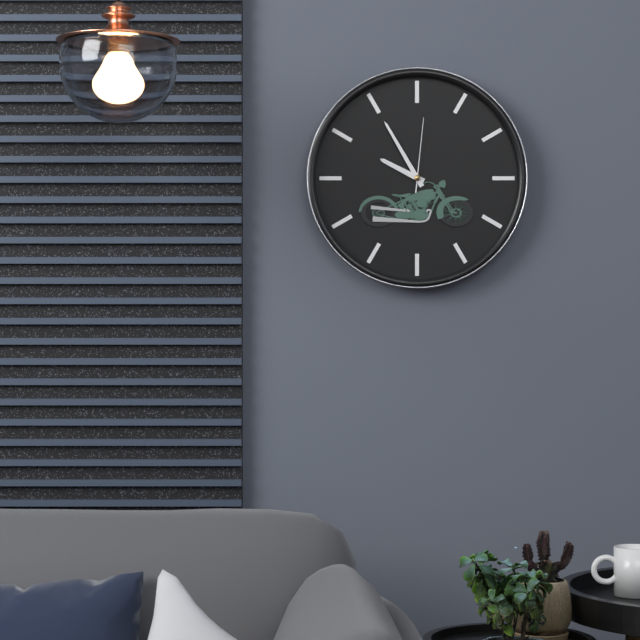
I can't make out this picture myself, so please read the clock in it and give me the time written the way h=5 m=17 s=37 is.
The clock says h=9 m=55 s=1
